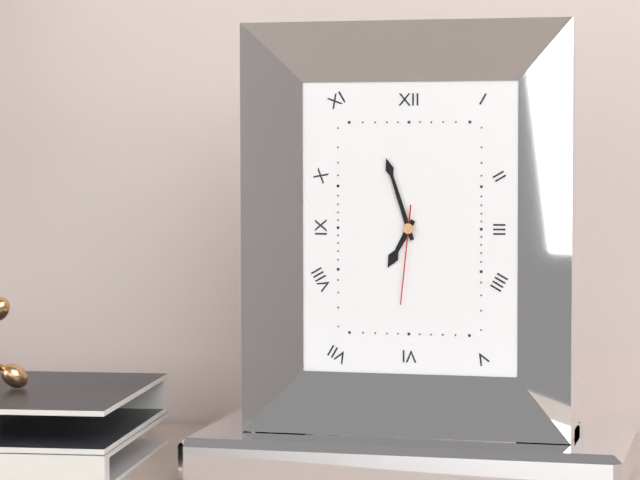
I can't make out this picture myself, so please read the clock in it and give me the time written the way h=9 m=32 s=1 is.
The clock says h=6 m=57 s=31
